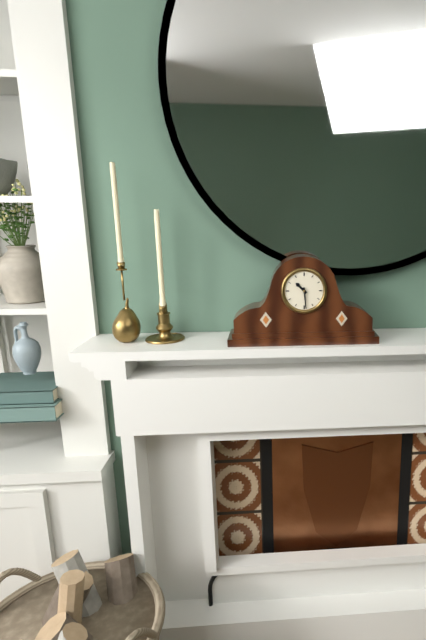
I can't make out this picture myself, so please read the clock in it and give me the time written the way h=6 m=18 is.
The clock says h=10 m=29
